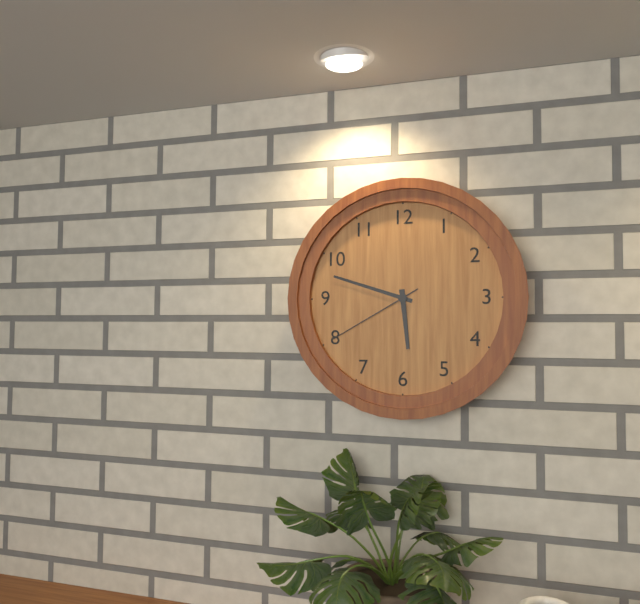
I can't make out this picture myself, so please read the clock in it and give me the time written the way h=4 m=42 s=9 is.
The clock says h=5 m=48 s=40
